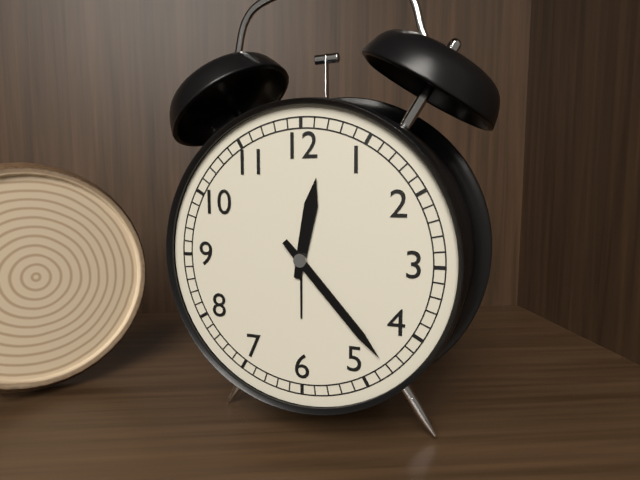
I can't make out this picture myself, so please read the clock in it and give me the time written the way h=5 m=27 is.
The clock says h=12 m=23
